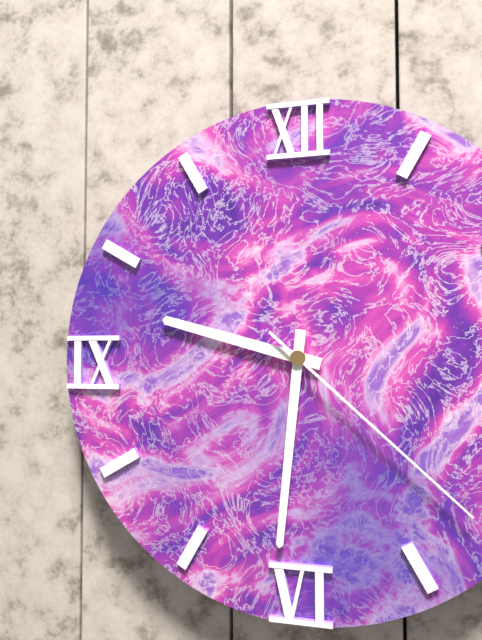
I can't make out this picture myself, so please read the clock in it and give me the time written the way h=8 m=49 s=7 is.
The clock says h=9 m=31 s=22
